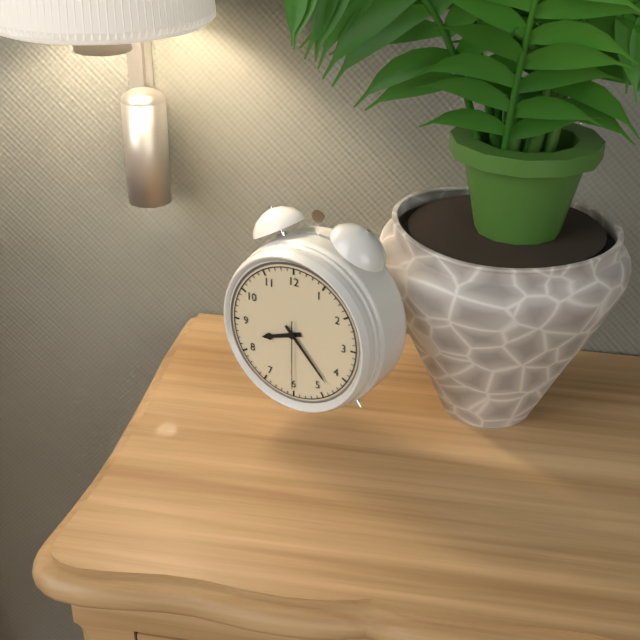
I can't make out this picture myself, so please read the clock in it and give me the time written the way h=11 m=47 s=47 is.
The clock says h=8 m=23 s=30
